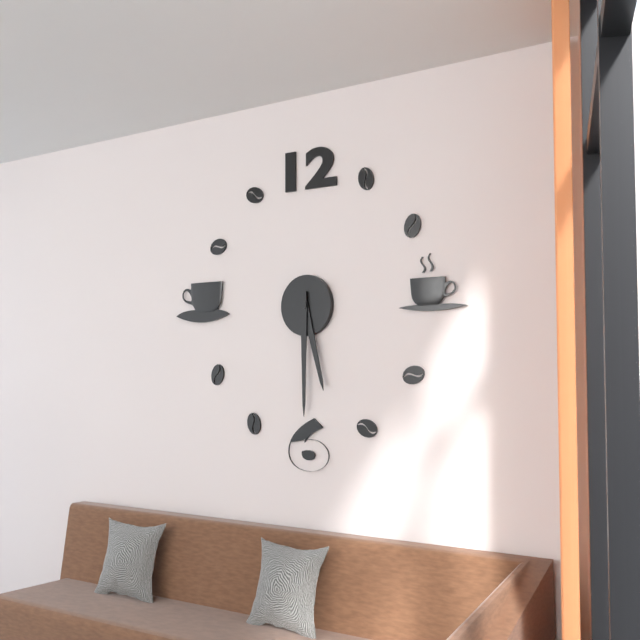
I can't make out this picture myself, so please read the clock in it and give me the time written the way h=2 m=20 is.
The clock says h=5 m=30
